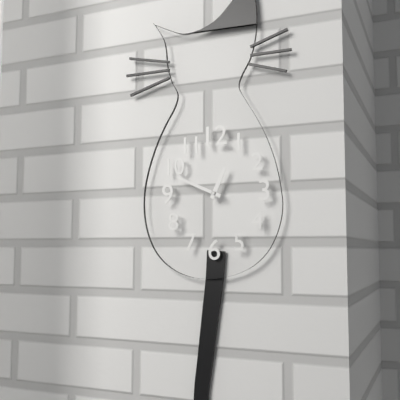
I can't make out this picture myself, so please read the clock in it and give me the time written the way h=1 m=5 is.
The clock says h=12 m=49
